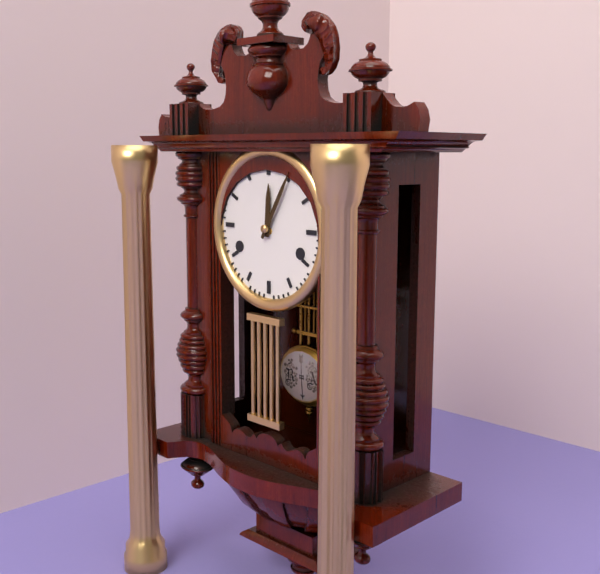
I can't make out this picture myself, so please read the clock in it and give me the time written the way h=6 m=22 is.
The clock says h=12 m=5
